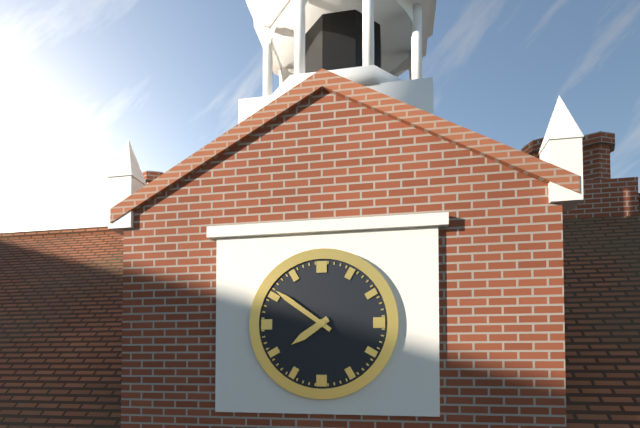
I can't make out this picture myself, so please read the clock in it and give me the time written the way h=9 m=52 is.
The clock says h=7 m=51
